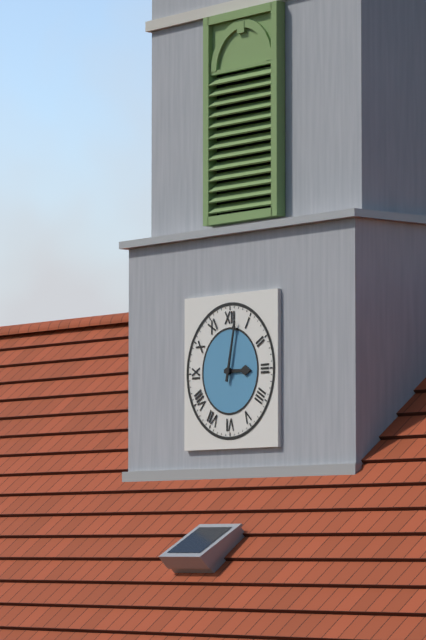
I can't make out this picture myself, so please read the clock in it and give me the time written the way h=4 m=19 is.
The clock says h=3 m=2
